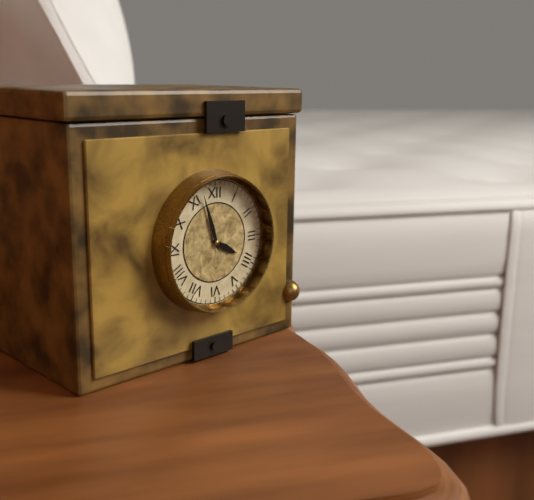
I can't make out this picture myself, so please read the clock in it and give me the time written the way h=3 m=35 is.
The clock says h=3 m=57
